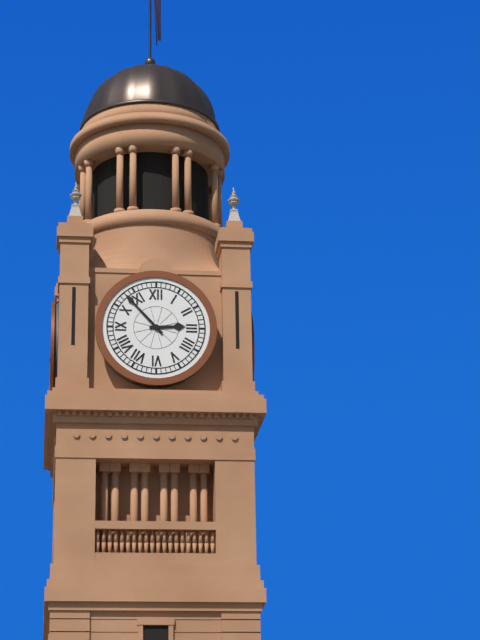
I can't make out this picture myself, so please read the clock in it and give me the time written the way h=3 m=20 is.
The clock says h=2 m=53
